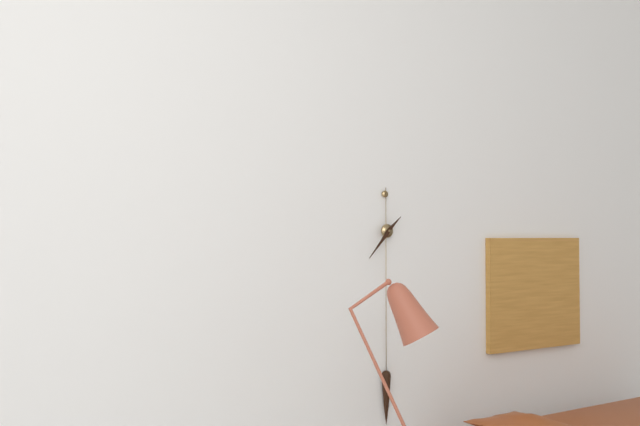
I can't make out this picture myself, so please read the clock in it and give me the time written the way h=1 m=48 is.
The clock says h=1 m=37
